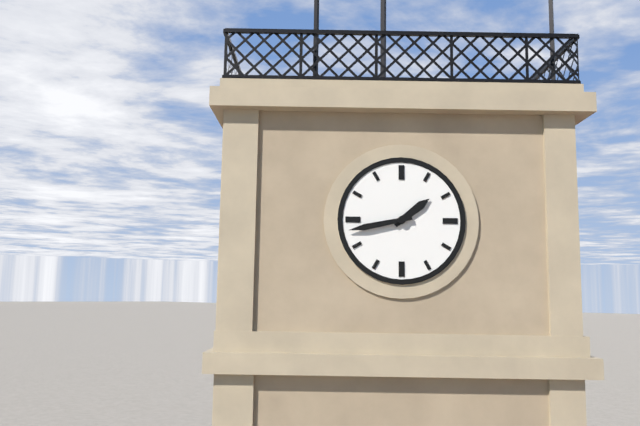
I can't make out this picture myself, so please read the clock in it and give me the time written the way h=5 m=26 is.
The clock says h=1 m=43
